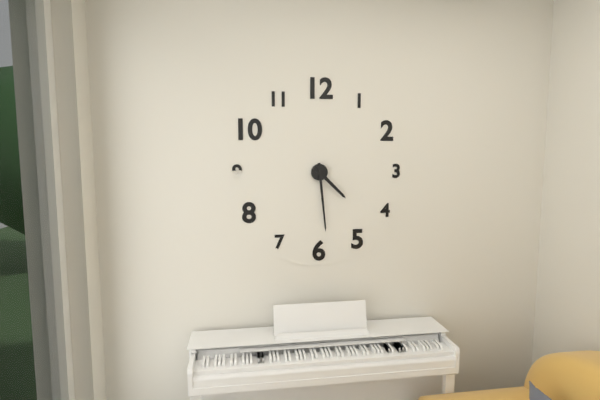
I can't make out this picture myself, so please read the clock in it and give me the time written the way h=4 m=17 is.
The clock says h=4 m=29
